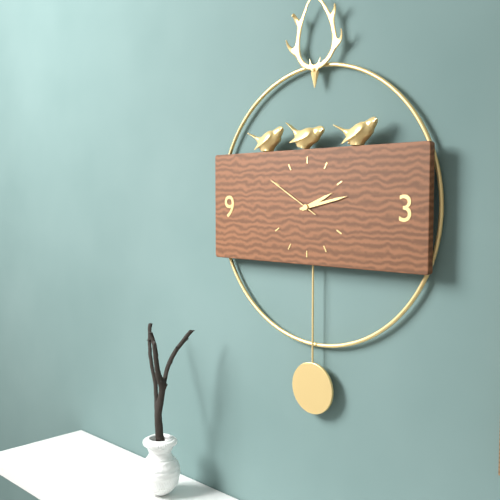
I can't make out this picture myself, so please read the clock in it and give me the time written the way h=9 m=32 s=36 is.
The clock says h=2 m=13 s=50
